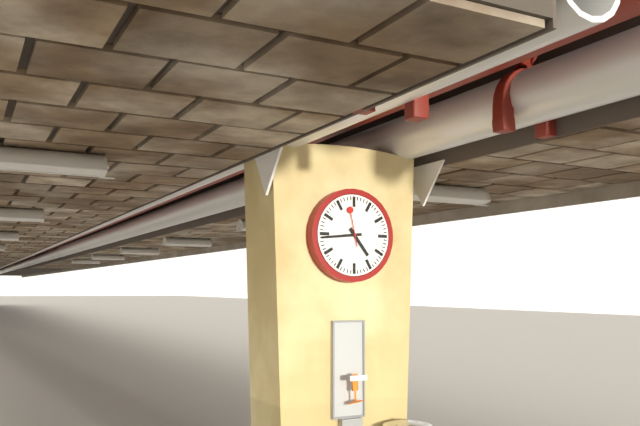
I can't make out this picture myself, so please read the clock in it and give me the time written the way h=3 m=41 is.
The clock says h=4 m=44
